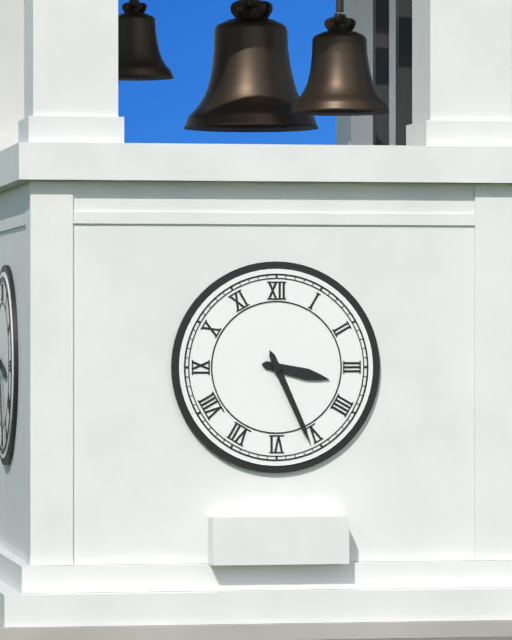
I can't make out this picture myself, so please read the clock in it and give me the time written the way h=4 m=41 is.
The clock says h=3 m=26
